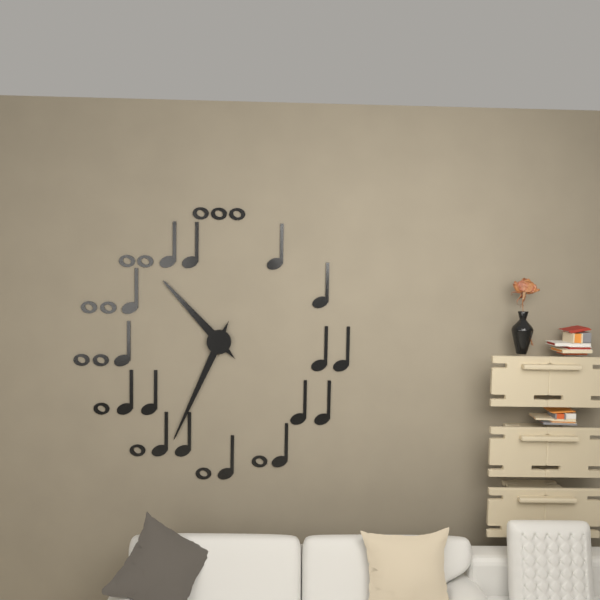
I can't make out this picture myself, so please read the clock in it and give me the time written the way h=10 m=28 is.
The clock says h=10 m=34
